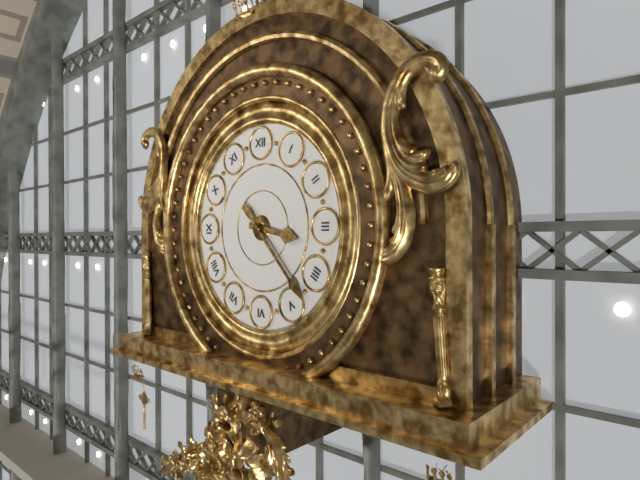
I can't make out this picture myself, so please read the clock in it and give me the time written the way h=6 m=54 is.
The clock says h=3 m=23
